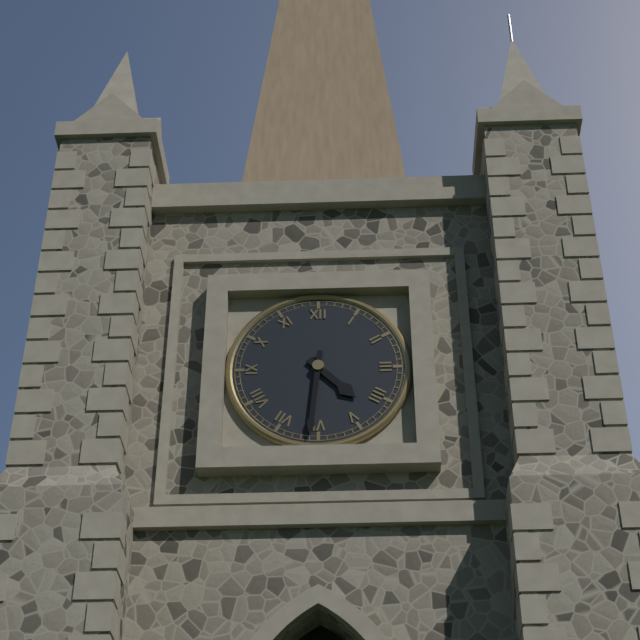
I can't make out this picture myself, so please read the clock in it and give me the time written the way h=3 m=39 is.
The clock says h=4 m=31
